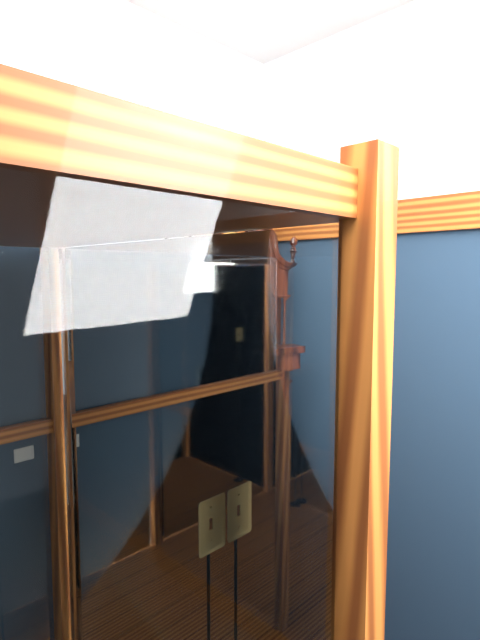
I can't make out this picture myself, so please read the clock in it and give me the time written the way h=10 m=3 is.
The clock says h=12 m=35
